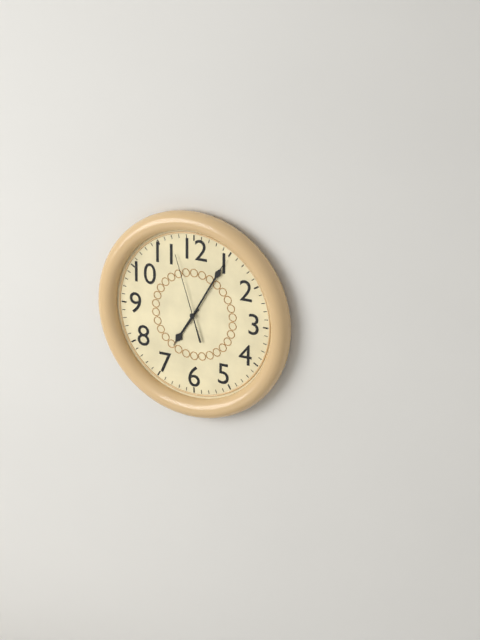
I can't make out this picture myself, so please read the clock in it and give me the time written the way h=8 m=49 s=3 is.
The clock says h=7 m=5 s=57
